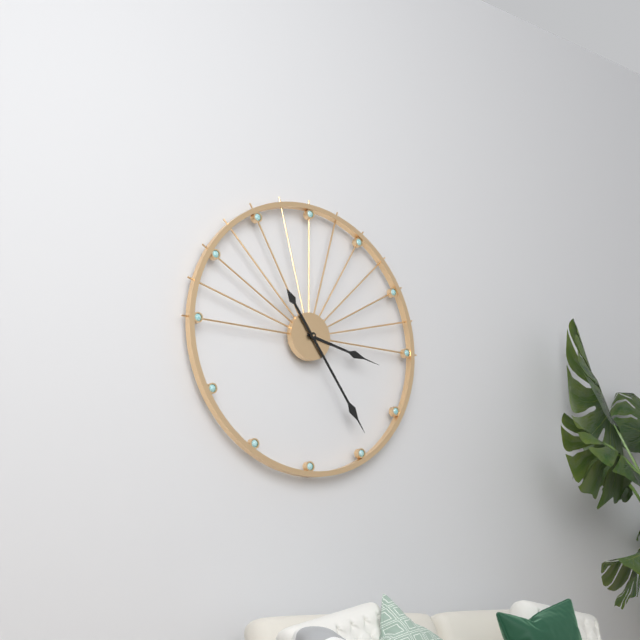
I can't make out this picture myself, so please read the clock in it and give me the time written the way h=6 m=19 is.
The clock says h=3 m=24
